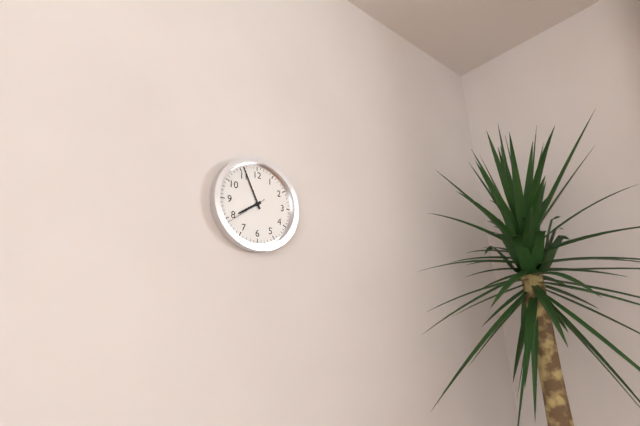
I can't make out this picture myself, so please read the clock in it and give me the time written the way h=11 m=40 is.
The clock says h=7 m=56
